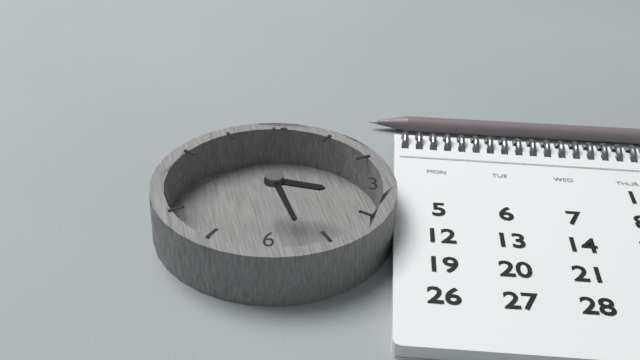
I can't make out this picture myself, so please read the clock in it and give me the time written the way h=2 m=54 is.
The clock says h=3 m=27
